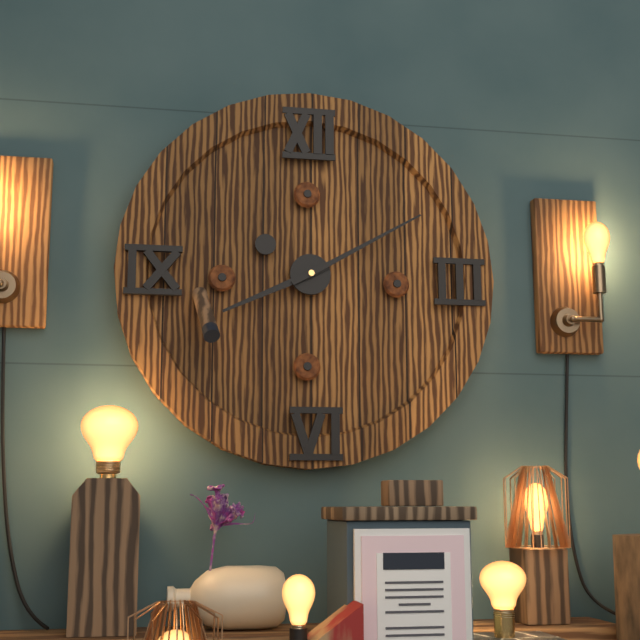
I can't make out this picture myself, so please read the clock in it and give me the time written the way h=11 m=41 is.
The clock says h=8 m=10
